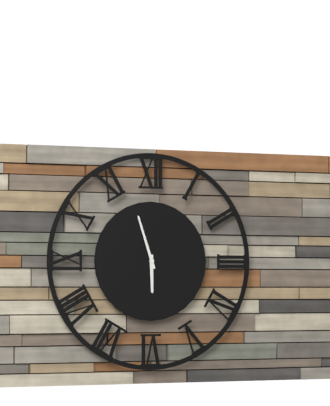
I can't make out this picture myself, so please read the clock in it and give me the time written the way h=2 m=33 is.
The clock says h=5 m=57
